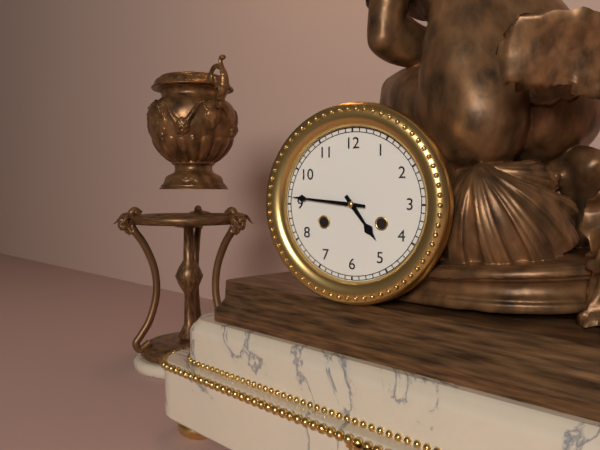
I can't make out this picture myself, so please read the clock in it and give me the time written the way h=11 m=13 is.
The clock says h=4 m=46
